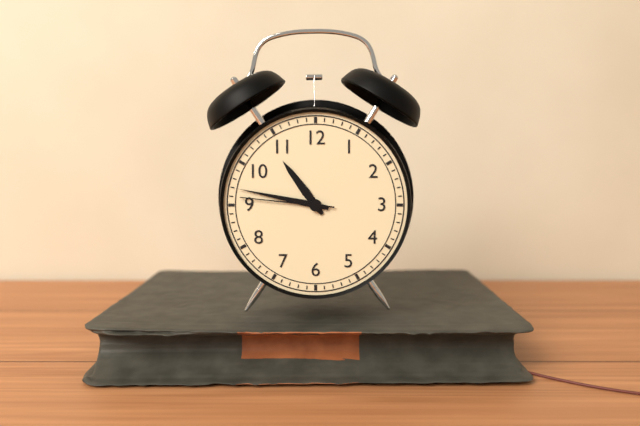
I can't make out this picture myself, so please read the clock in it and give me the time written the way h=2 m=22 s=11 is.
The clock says h=10 m=47 s=46
